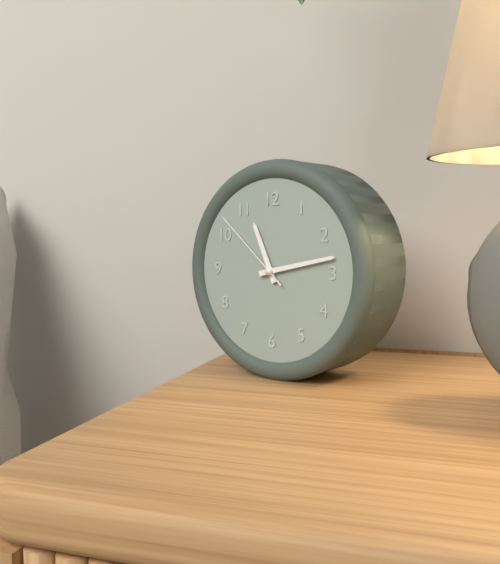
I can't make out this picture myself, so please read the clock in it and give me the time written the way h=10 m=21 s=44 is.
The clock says h=11 m=13 s=52
